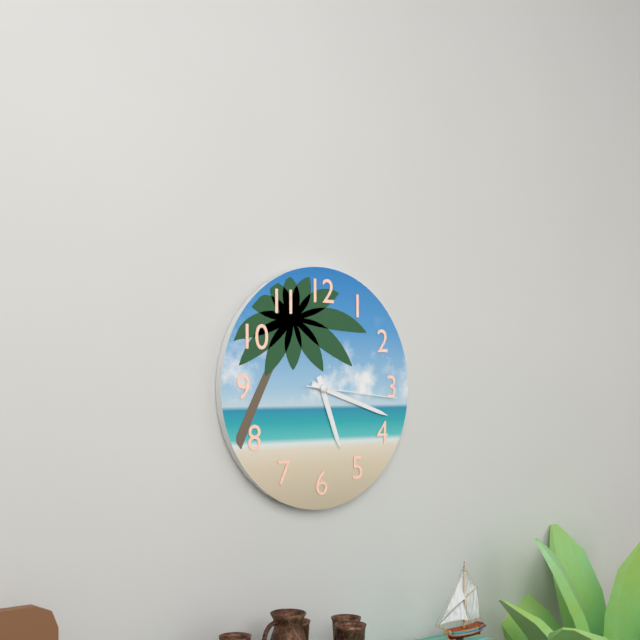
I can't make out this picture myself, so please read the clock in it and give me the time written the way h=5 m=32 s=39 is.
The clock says h=5 m=18 s=16
